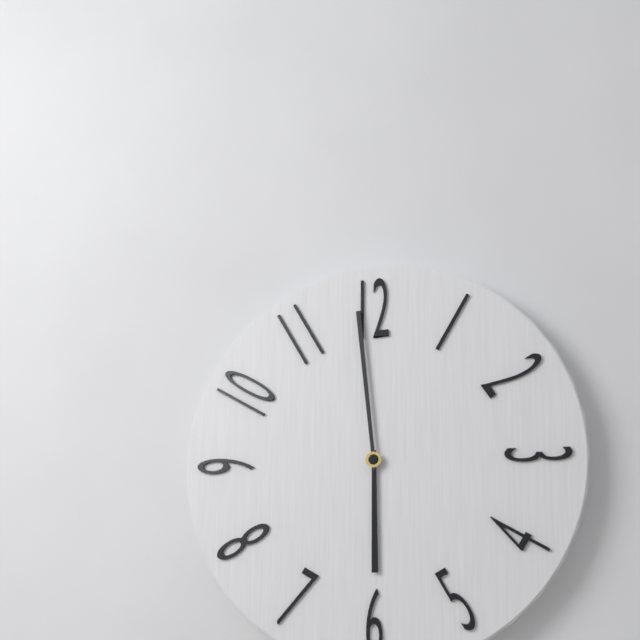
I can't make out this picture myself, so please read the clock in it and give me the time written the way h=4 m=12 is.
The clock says h=5 m=59
